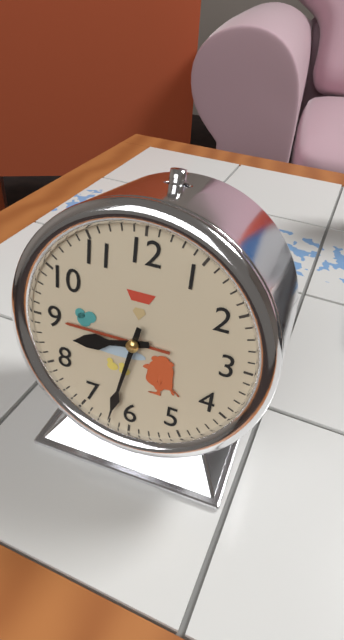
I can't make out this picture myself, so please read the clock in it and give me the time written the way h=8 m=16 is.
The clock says h=8 m=32
